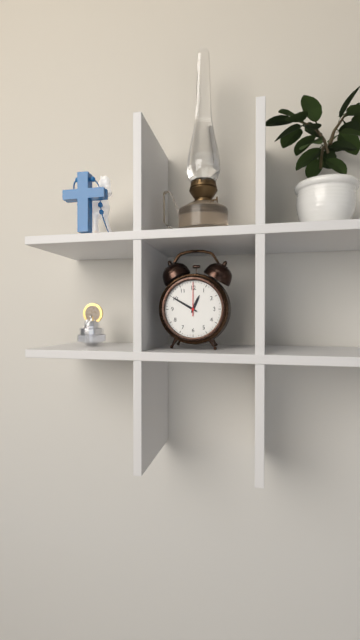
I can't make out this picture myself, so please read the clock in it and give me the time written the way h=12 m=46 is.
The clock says h=12 m=50
